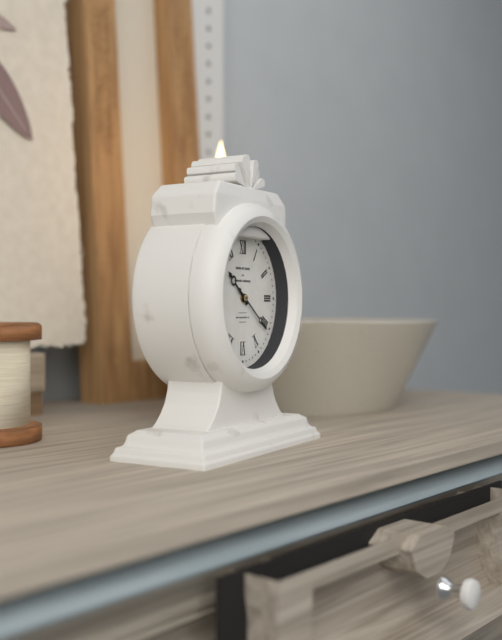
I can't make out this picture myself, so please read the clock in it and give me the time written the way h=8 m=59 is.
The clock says h=10 m=21
